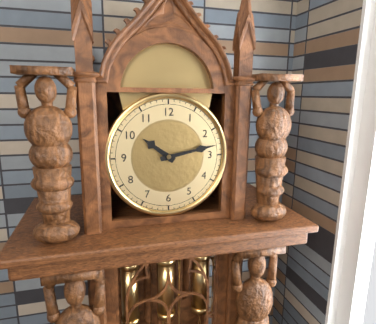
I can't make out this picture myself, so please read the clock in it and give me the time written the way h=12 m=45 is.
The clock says h=10 m=13
